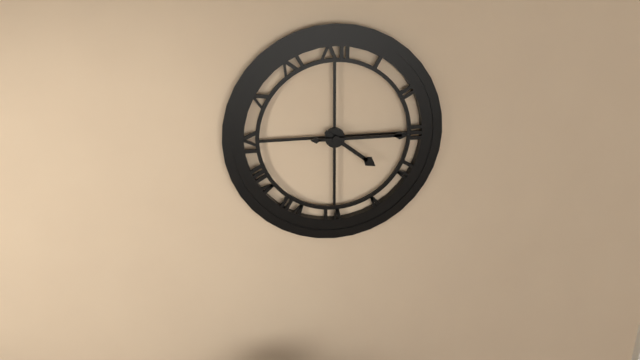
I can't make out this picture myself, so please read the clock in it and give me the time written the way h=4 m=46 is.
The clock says h=4 m=15
